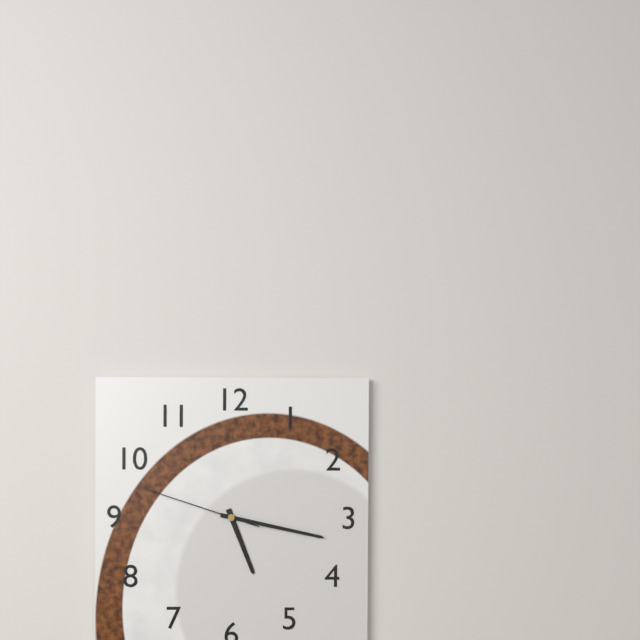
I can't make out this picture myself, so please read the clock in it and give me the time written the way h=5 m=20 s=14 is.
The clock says h=5 m=17 s=48
